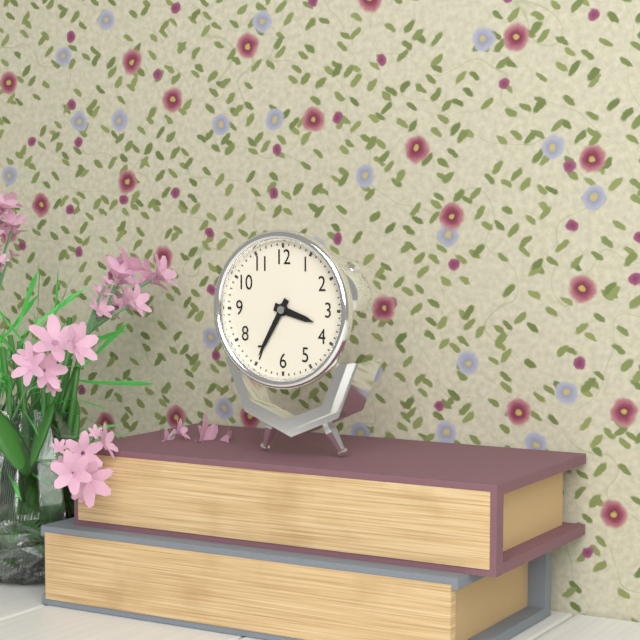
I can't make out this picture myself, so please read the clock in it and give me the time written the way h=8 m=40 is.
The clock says h=3 m=35
